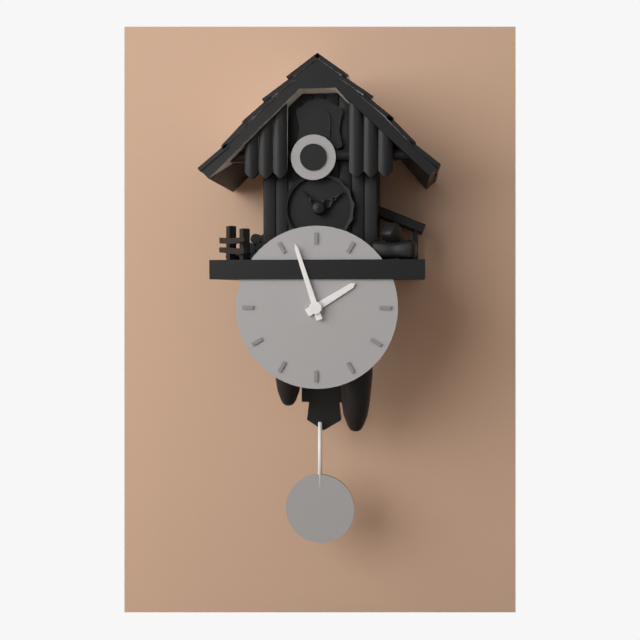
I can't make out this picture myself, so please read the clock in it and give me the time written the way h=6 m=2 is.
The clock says h=1 m=57
